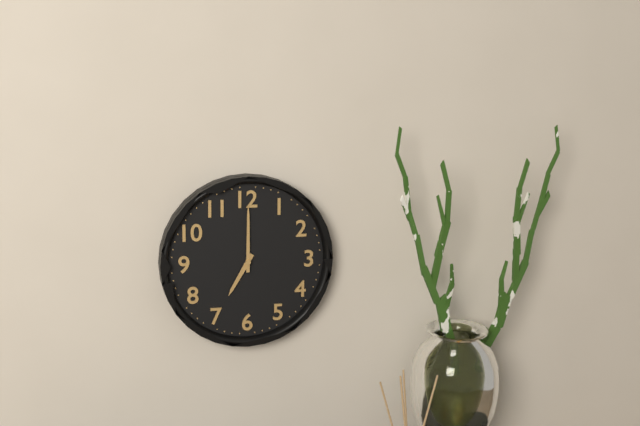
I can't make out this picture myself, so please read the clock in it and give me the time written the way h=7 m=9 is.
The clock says h=7 m=0
